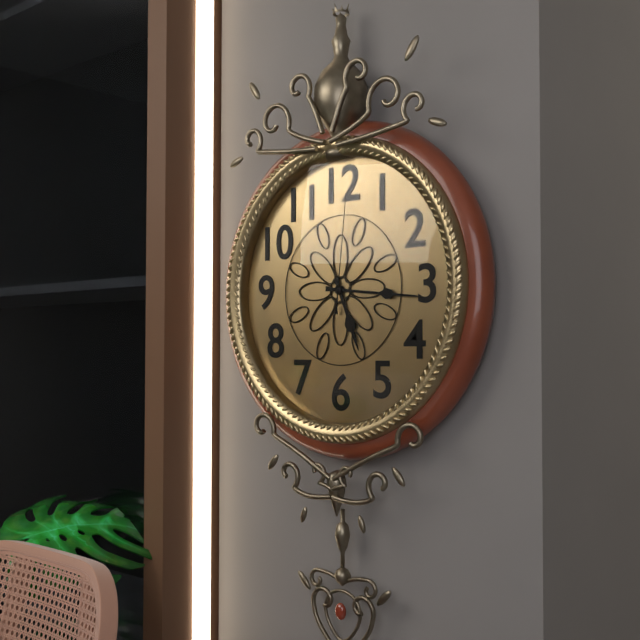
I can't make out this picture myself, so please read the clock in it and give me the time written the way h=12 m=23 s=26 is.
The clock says h=5 m=16 s=1
